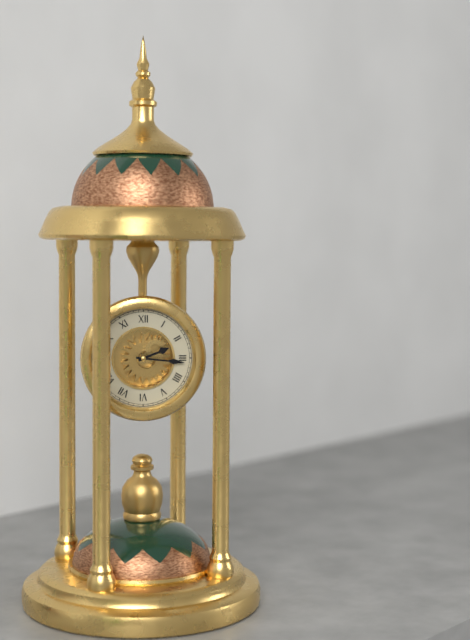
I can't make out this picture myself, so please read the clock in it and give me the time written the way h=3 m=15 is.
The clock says h=2 m=16
